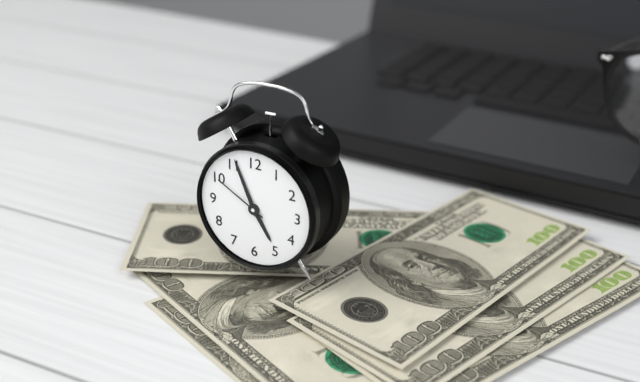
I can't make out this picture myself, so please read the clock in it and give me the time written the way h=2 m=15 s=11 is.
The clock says h=4 m=56 s=50
